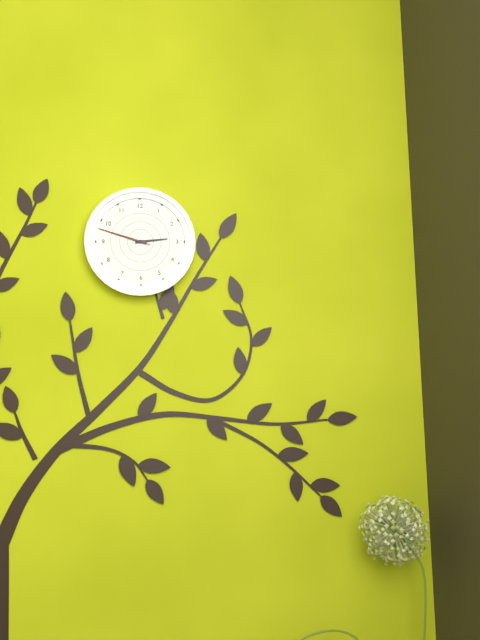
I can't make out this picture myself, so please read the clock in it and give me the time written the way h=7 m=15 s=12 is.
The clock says h=2 m=48 s=48
